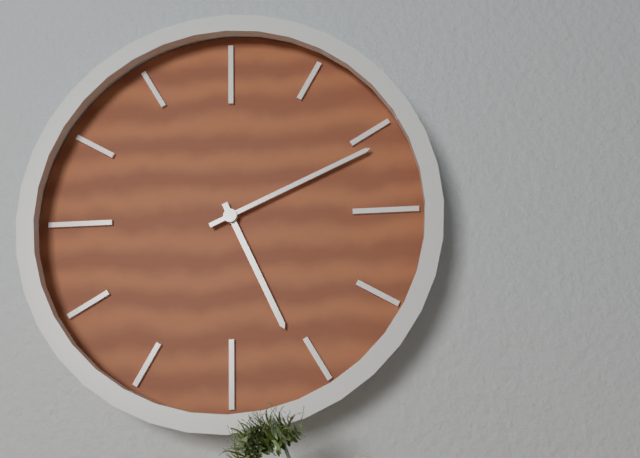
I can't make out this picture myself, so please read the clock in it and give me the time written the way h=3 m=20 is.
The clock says h=5 m=11
